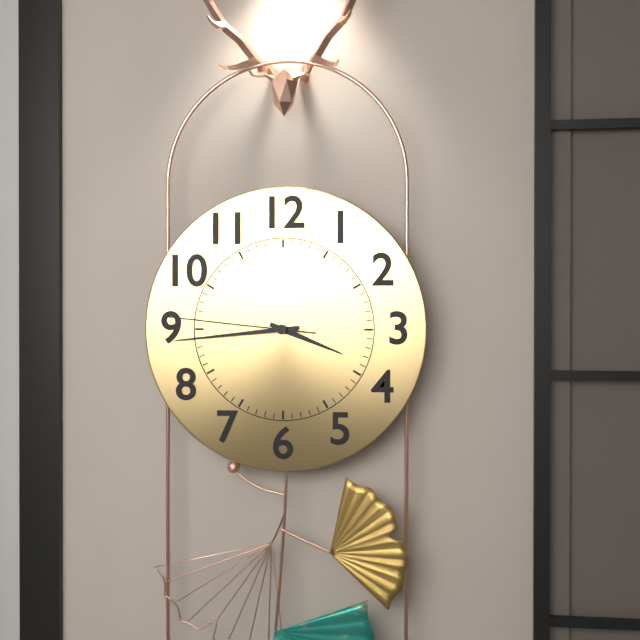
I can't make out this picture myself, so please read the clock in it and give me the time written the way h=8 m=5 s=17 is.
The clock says h=3 m=44 s=46
